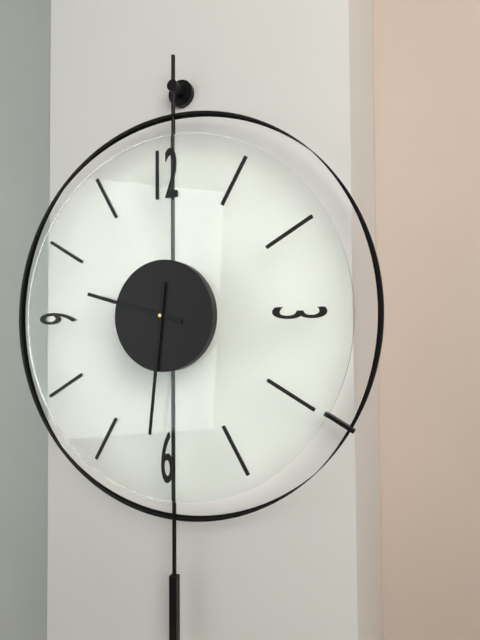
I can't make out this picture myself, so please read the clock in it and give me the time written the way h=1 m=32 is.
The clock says h=9 m=31
